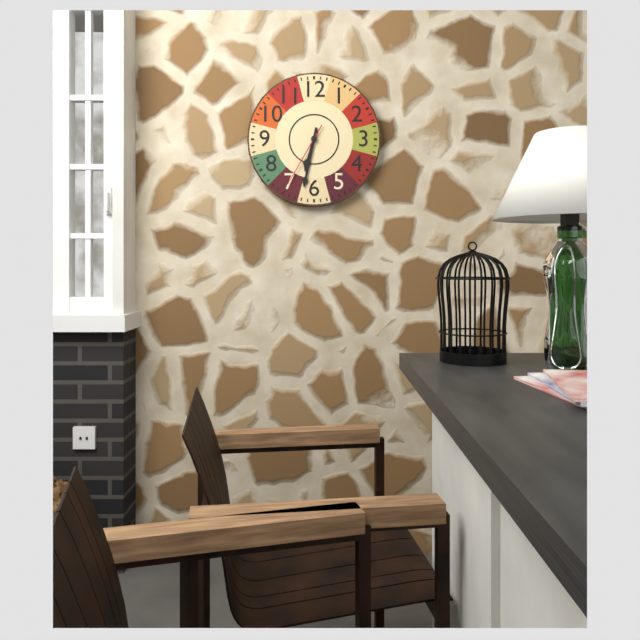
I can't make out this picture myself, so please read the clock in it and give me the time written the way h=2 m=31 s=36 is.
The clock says h=6 m=32 s=35
